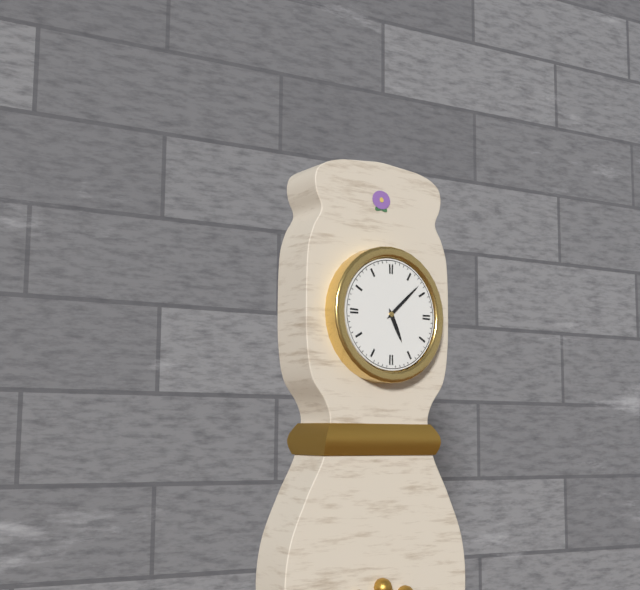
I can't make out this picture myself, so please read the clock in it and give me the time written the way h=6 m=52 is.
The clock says h=5 m=8
